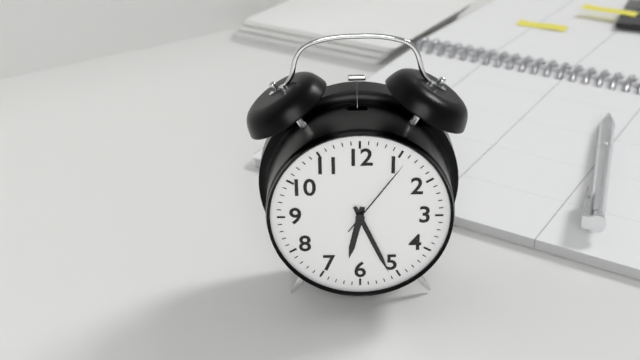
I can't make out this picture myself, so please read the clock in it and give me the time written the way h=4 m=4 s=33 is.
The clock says h=6 m=26 s=6
